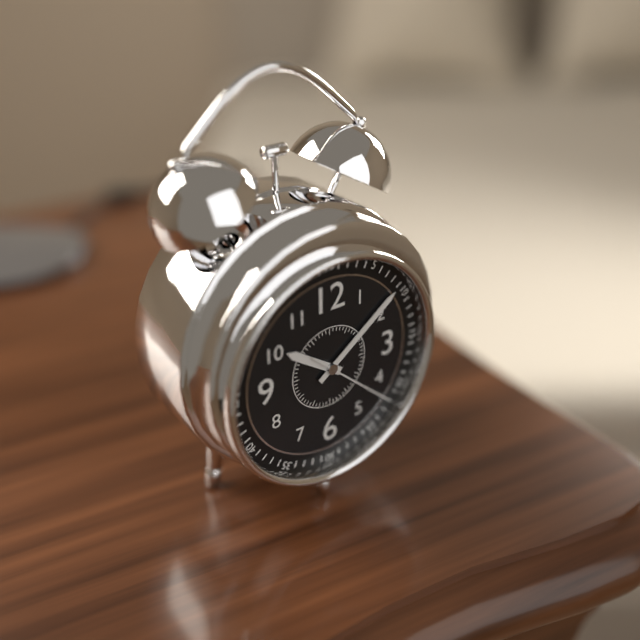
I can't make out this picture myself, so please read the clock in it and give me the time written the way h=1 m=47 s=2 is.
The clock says h=10 m=9 s=22
